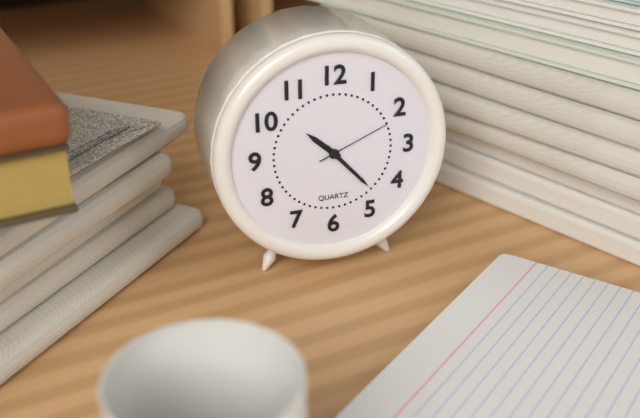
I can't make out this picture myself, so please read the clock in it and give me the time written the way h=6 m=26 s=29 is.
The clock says h=10 m=23 s=11
